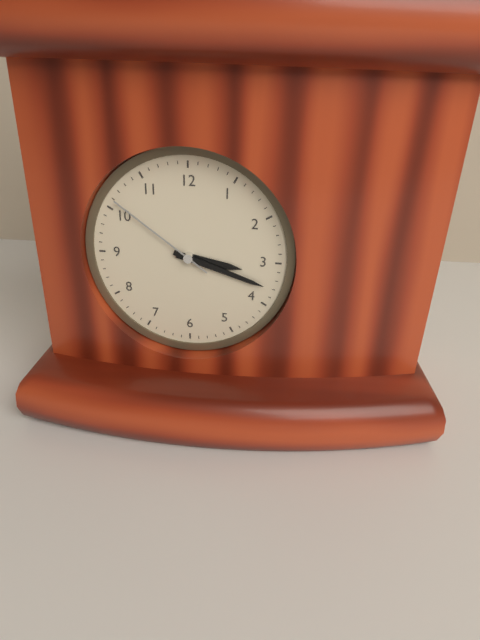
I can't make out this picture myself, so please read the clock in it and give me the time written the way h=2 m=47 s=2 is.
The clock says h=3 m=18 s=51
